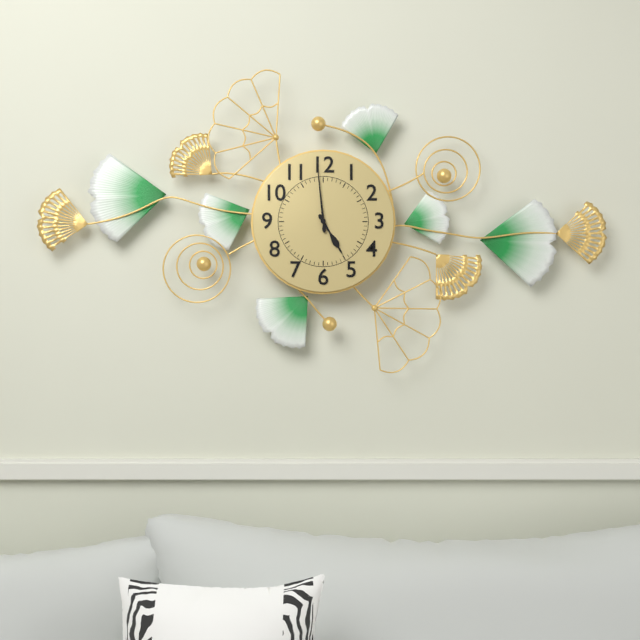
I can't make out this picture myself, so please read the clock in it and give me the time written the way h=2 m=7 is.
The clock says h=4 m=59
